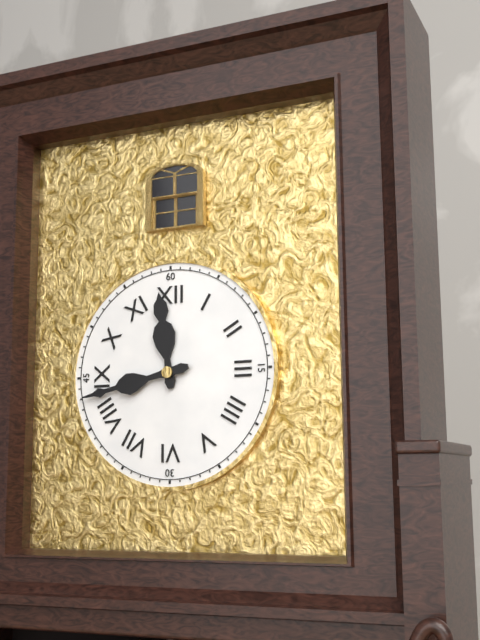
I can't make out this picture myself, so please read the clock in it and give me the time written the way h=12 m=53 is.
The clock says h=11 m=43
